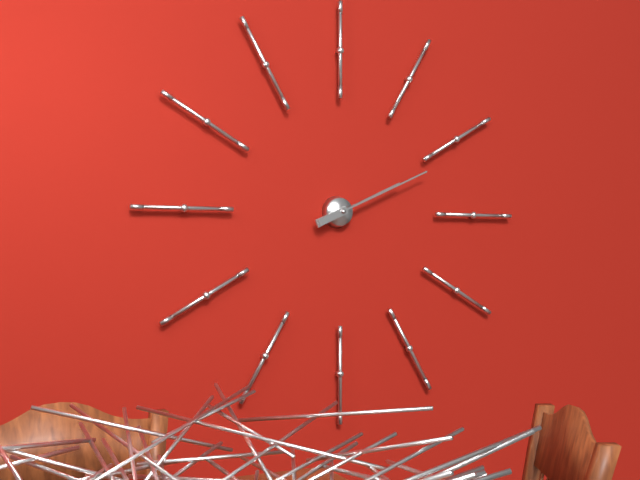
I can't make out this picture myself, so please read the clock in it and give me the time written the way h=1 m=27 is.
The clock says h=2 m=11
